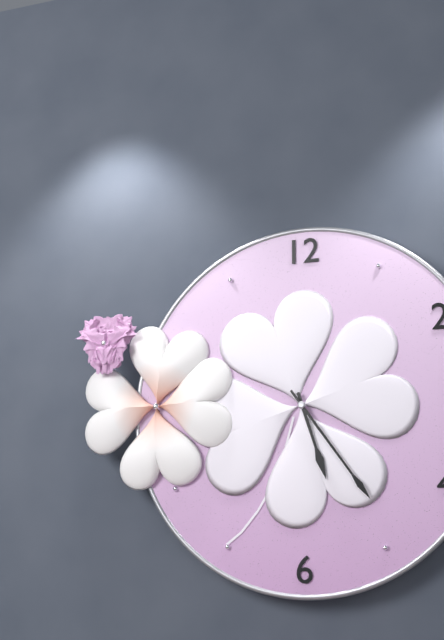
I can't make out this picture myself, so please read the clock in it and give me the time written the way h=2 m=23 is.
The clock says h=5 m=24
